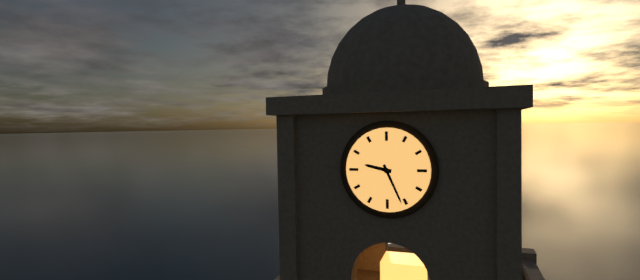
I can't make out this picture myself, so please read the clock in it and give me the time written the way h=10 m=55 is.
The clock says h=9 m=26
